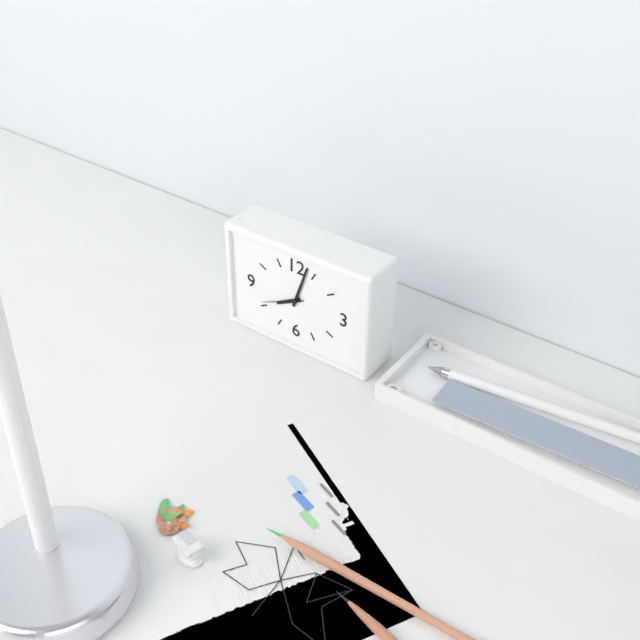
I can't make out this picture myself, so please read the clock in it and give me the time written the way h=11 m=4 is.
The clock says h=8 m=3
